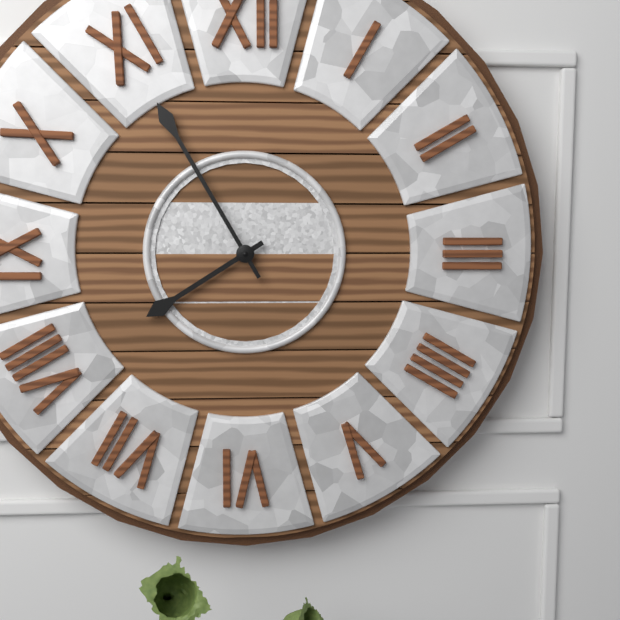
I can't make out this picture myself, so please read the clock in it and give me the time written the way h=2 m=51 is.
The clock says h=7 m=55
